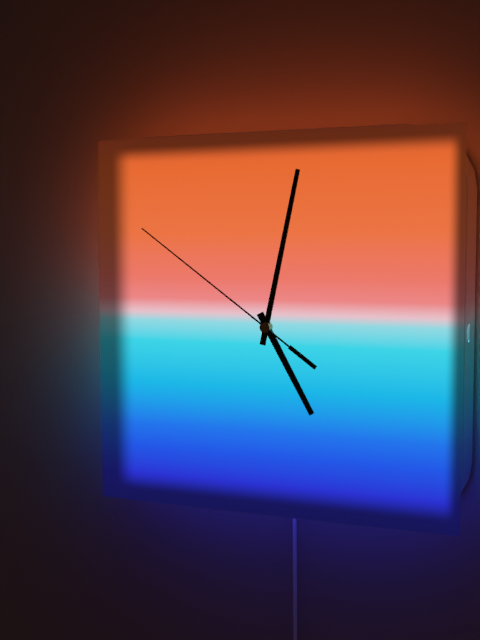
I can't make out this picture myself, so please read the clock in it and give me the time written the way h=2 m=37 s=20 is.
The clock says h=5 m=2 s=51
